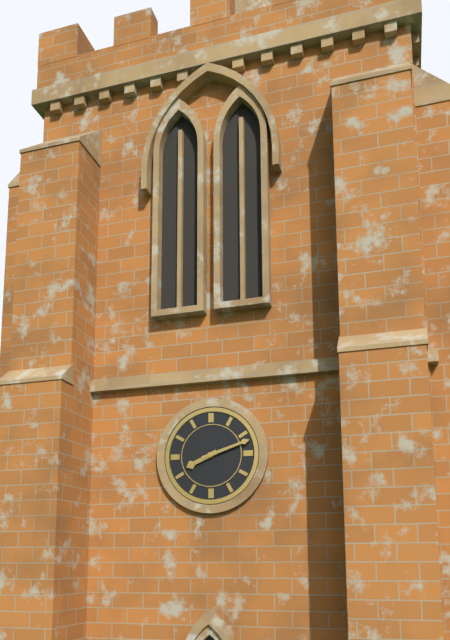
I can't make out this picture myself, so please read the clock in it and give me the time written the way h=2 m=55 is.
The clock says h=8 m=12
